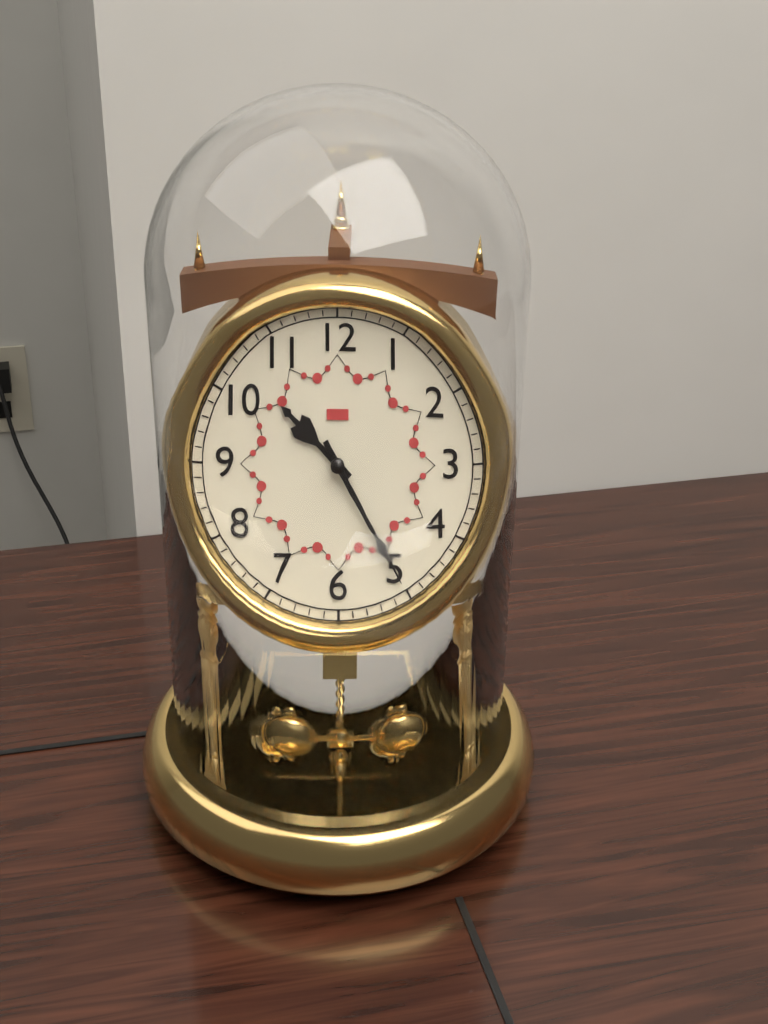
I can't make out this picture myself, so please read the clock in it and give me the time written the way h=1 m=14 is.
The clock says h=10 m=25
